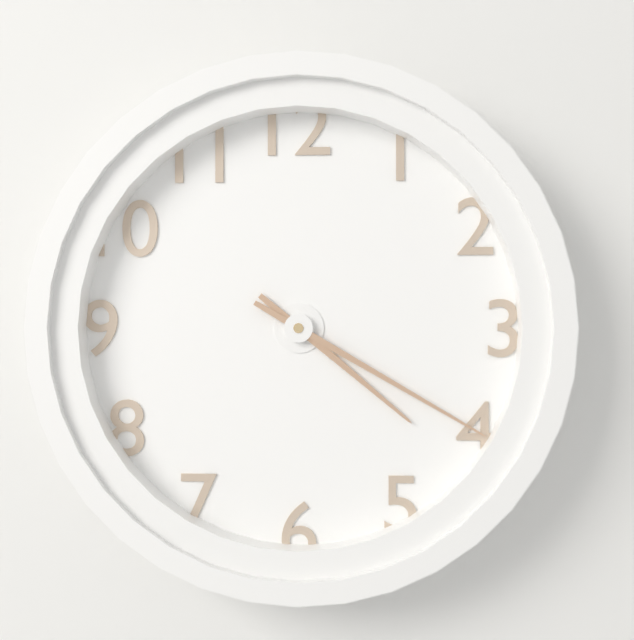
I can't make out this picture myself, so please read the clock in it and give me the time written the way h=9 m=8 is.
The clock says h=4 m=20
